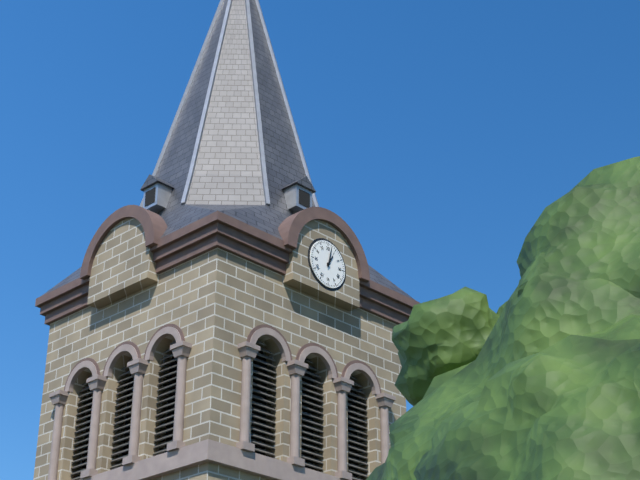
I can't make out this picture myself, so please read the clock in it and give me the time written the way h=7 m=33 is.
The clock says h=1 m=2
